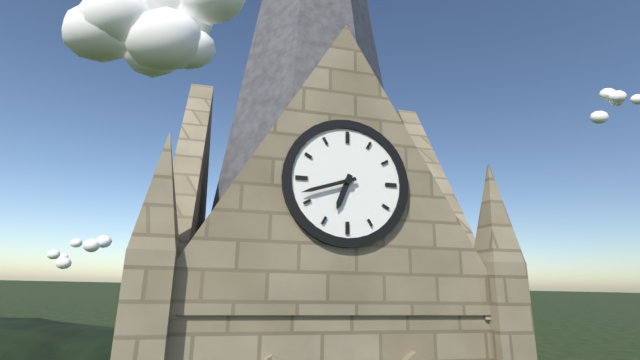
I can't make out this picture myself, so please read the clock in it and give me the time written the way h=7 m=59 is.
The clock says h=6 m=42
